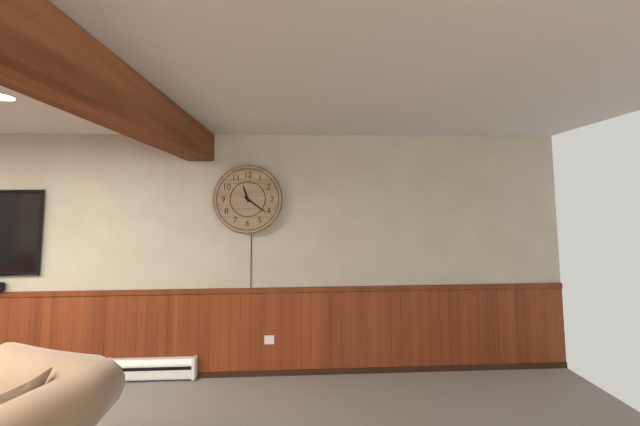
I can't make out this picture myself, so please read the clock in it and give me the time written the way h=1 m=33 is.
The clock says h=11 m=21
